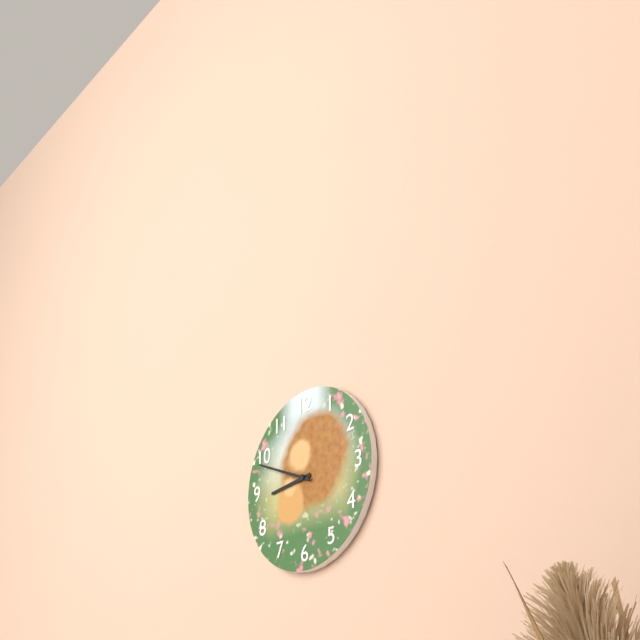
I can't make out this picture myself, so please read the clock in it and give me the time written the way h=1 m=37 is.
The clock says h=8 m=49
